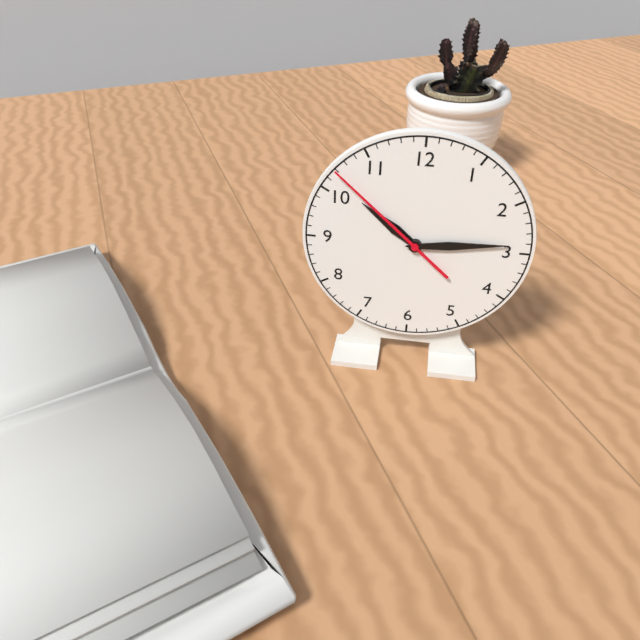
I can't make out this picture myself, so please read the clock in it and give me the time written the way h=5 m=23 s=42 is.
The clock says h=10 m=14 s=52
